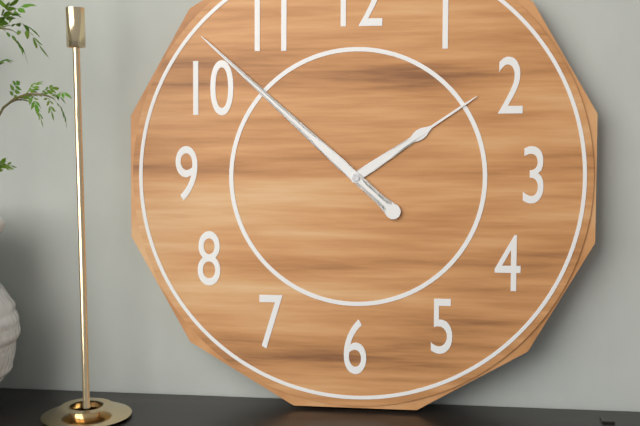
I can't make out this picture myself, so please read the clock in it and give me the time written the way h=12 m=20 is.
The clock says h=1 m=52
